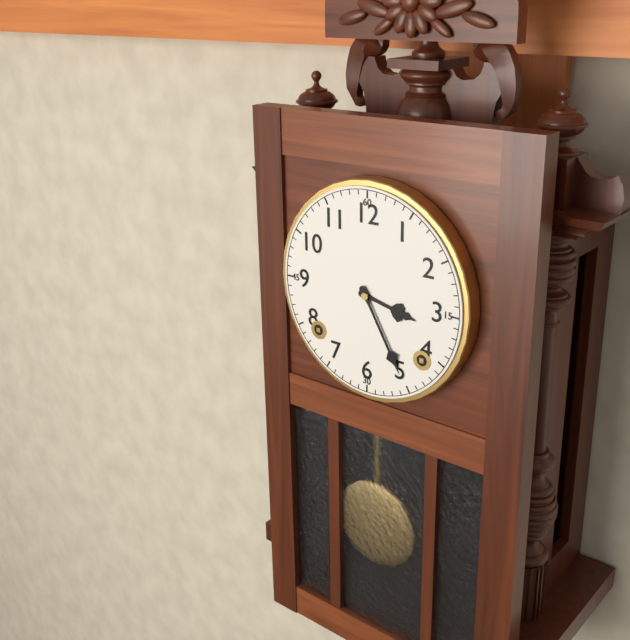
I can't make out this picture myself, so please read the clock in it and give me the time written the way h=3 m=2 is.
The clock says h=3 m=25
